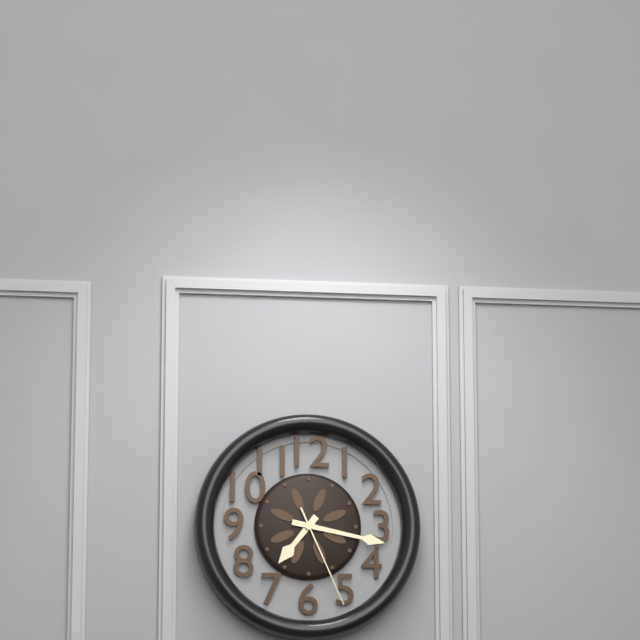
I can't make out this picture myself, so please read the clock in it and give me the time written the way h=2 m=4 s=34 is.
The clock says h=7 m=17 s=26
